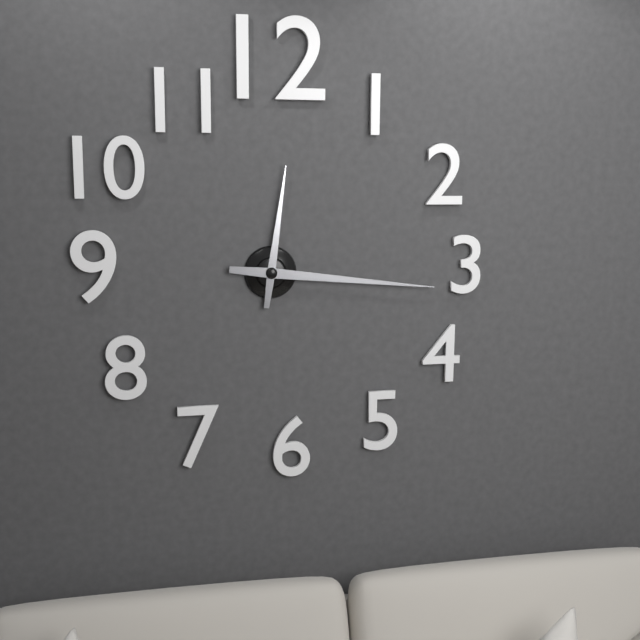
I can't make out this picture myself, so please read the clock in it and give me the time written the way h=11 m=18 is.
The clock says h=12 m=16
